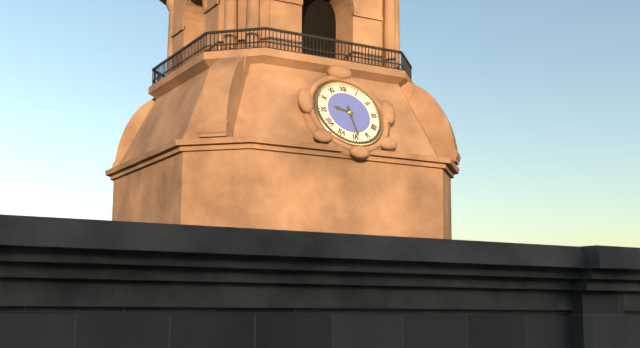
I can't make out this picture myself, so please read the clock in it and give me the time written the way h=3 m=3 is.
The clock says h=9 m=29
